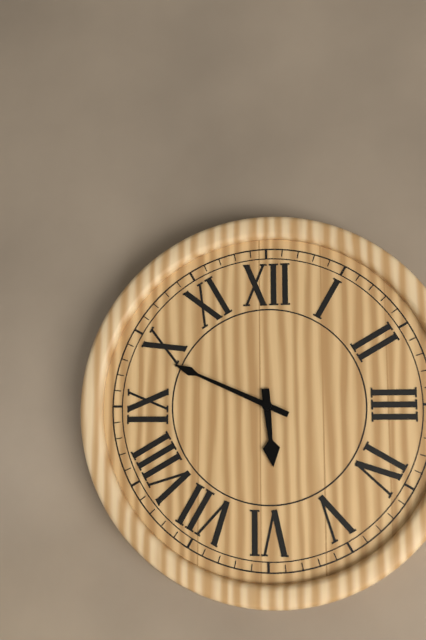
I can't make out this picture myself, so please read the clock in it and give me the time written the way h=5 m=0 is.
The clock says h=5 m=49
